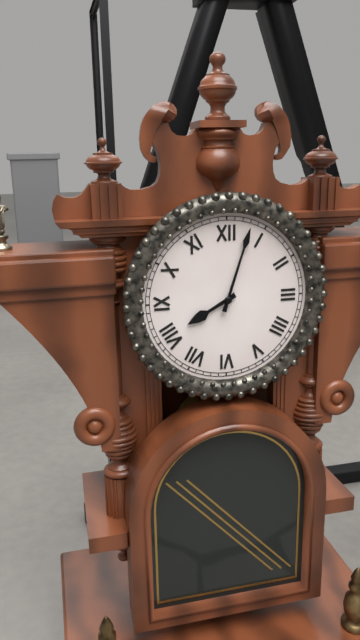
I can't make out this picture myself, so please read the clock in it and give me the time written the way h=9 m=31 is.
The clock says h=8 m=3
